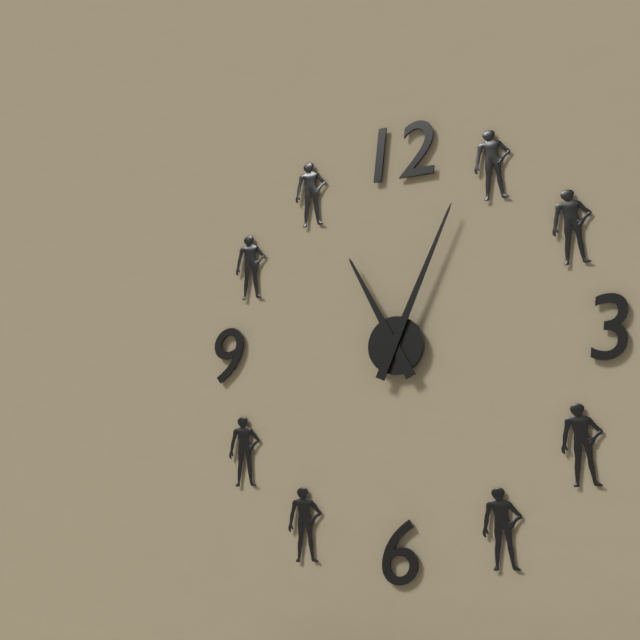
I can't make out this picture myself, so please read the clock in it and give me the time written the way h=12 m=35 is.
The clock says h=11 m=4
